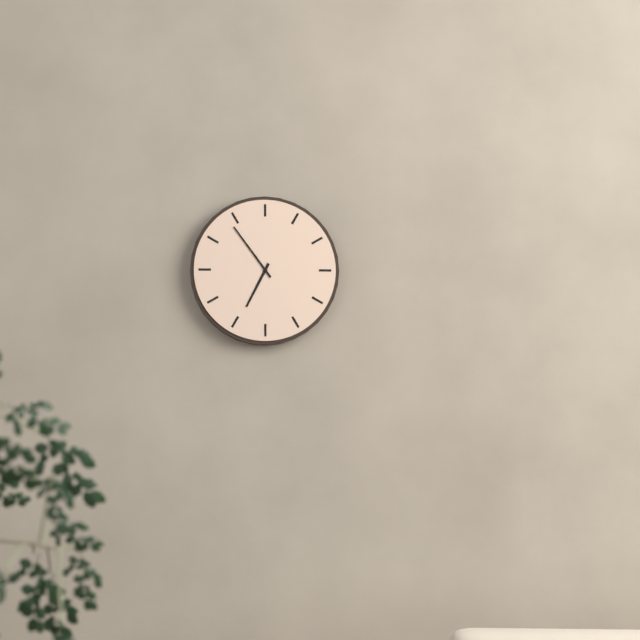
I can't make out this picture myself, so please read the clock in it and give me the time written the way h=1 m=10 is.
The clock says h=6 m=54
